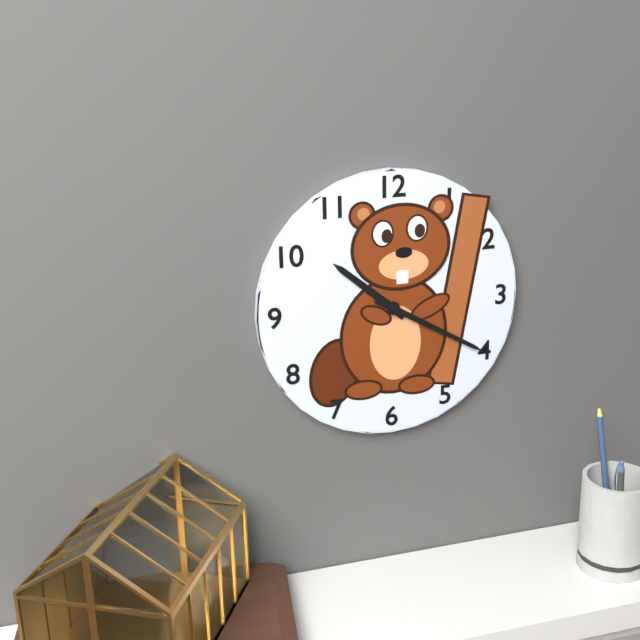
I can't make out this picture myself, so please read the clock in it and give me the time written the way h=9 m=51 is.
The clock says h=10 m=20
